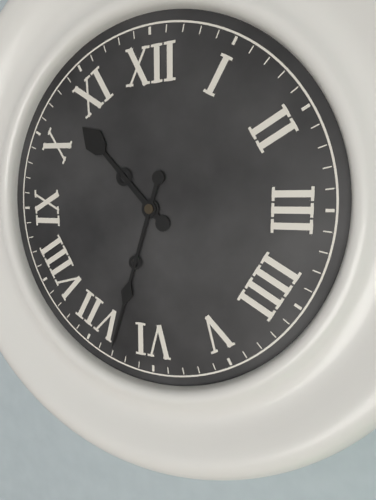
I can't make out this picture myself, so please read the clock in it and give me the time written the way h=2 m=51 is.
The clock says h=10 m=33
